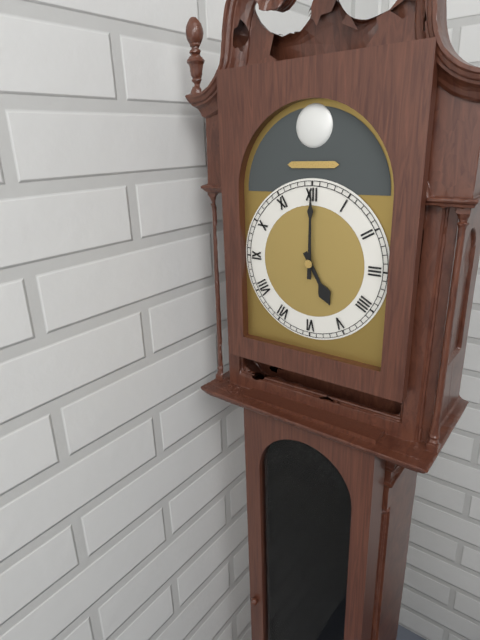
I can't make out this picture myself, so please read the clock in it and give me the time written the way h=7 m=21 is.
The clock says h=5 m=0
